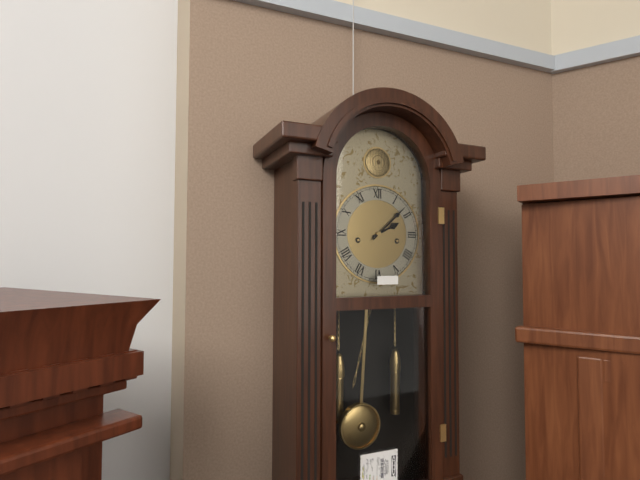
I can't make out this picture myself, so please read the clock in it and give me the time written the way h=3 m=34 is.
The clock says h=2 m=8
